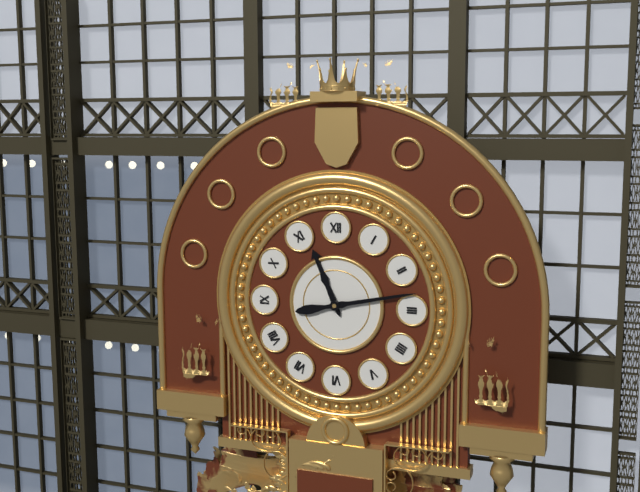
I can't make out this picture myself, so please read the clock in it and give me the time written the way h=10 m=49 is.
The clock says h=11 m=13
